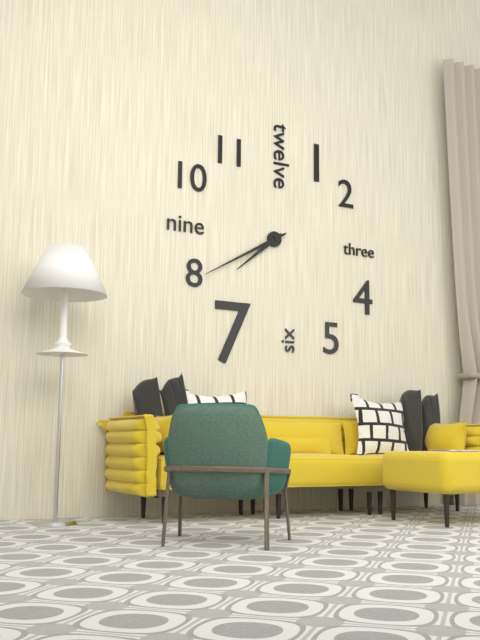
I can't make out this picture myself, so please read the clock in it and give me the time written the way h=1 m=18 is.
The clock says h=7 m=40
